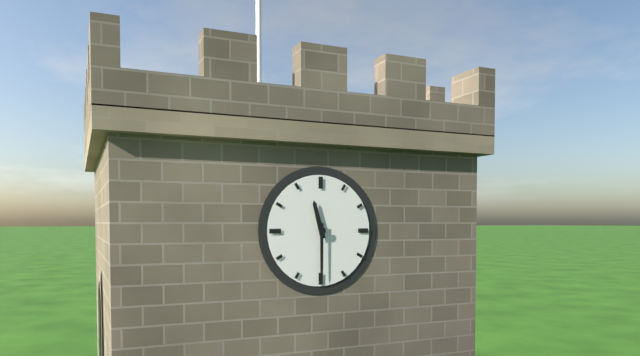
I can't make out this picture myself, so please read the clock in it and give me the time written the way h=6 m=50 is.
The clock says h=11 m=30
